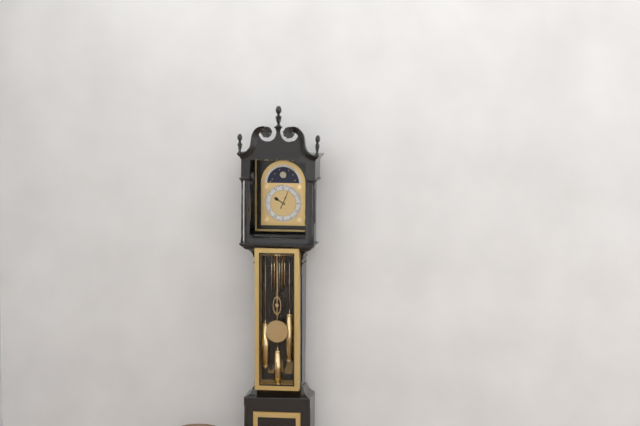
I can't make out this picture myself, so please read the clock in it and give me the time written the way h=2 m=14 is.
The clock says h=10 m=4
